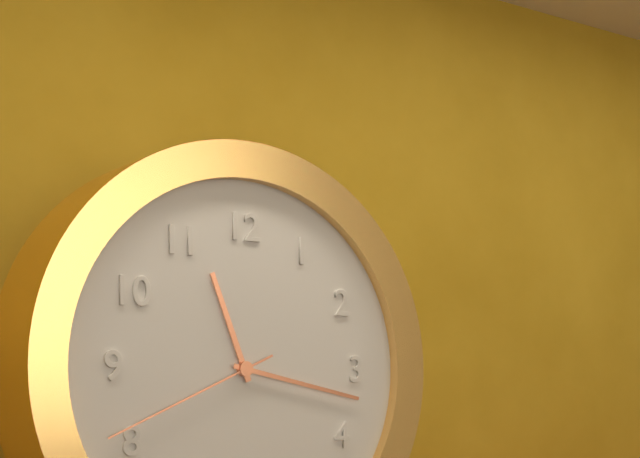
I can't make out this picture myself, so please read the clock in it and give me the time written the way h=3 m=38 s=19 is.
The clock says h=11 m=17 s=41
